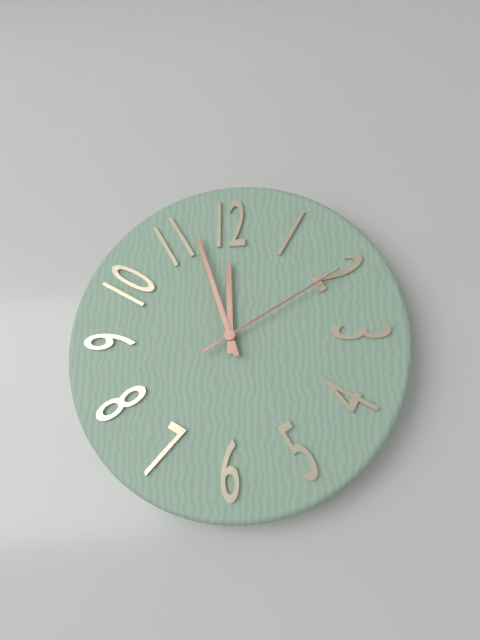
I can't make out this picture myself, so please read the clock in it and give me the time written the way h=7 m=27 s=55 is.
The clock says h=11 m=57 s=10
